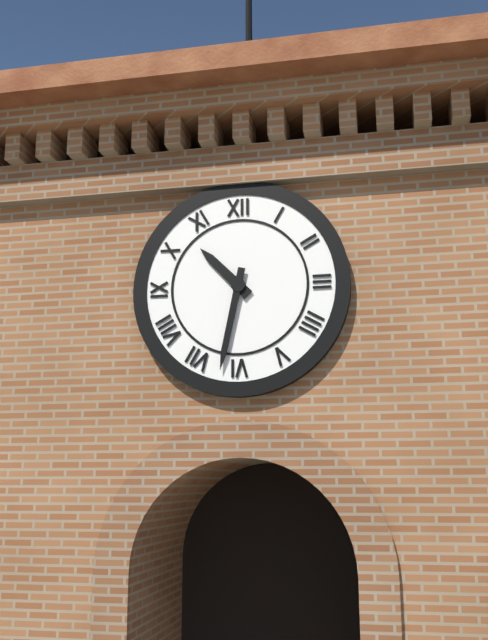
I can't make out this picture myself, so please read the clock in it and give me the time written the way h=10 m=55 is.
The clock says h=10 m=32
